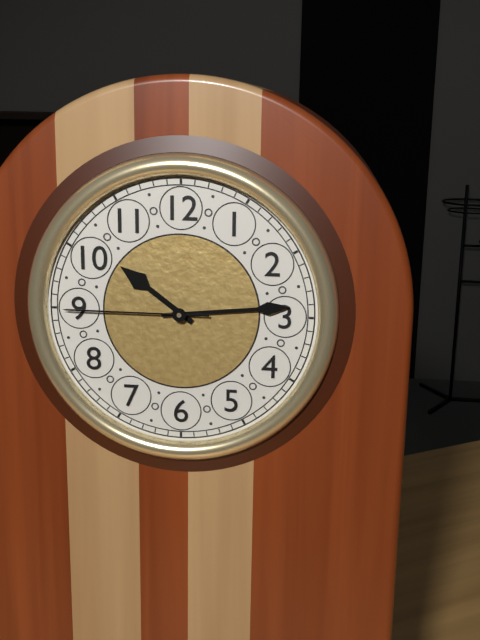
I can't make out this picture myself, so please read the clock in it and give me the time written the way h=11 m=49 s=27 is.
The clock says h=10 m=14 s=45
